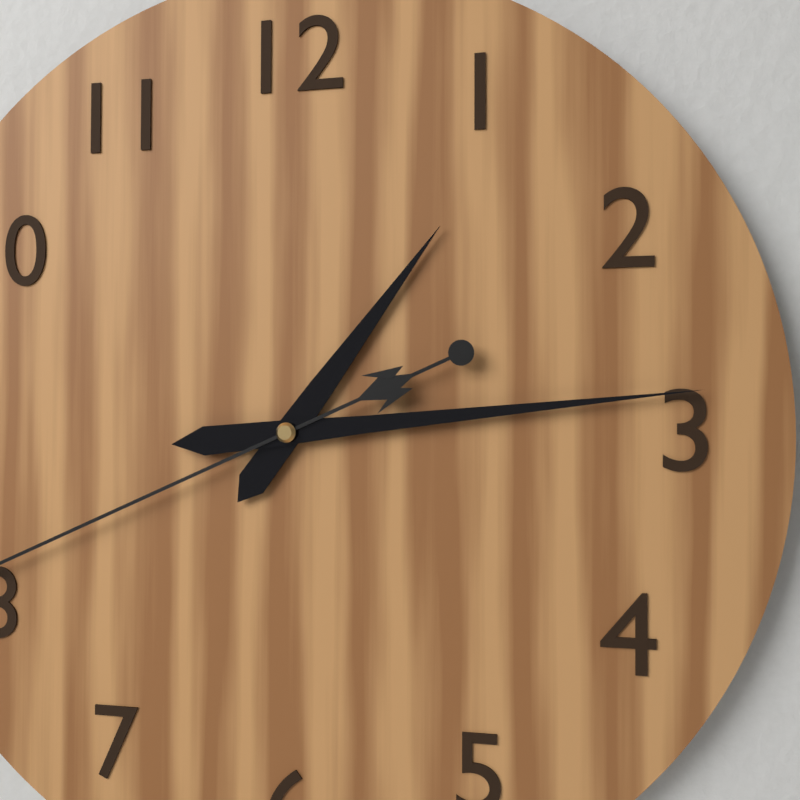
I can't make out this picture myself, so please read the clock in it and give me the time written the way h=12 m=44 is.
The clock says h=1 m=14
